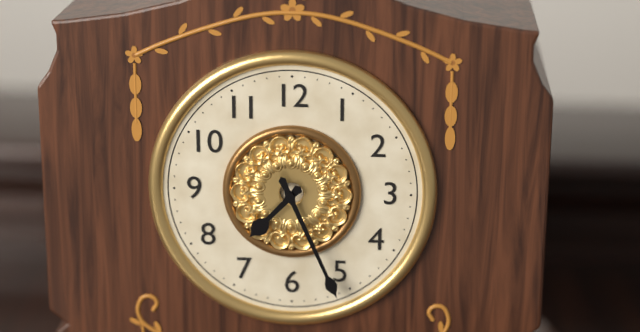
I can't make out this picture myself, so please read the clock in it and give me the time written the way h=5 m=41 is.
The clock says h=7 m=26
